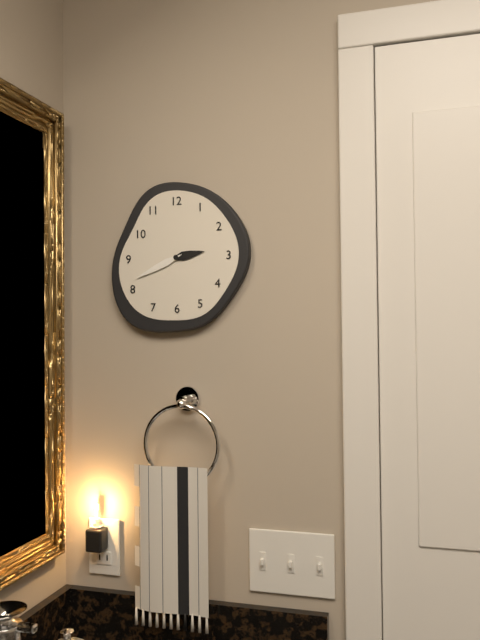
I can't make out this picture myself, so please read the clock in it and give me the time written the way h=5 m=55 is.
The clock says h=2 m=41
